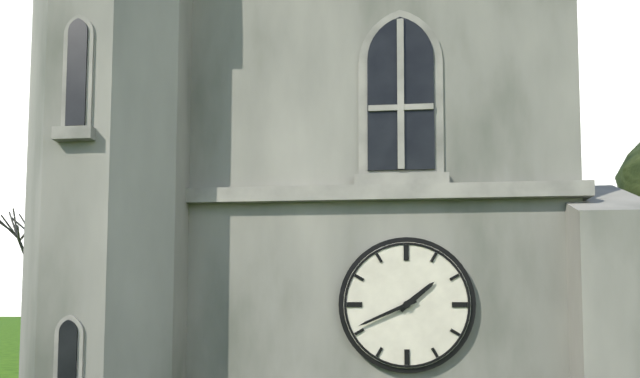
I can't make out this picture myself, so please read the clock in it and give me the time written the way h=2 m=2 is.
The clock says h=1 m=41
